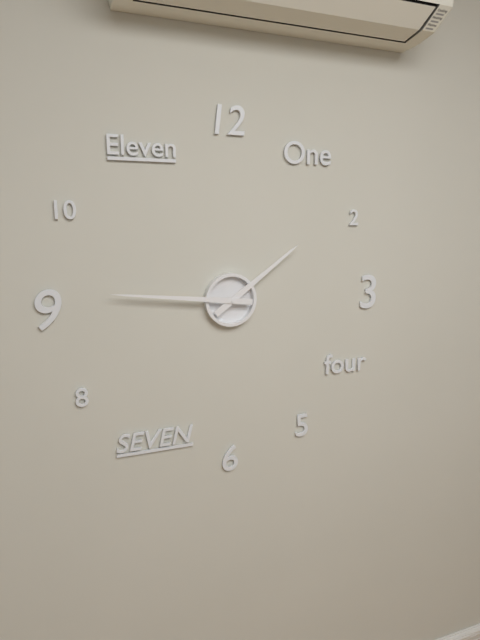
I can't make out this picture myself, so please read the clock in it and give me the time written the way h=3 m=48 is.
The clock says h=1 m=46
